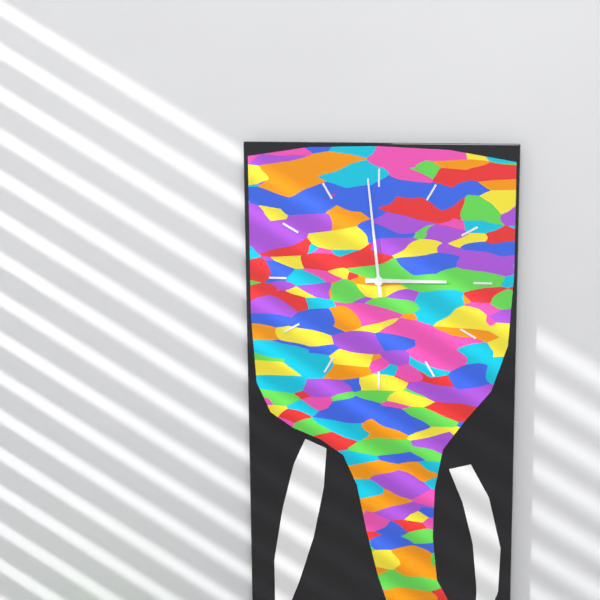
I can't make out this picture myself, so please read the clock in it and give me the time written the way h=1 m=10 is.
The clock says h=2 m=59
